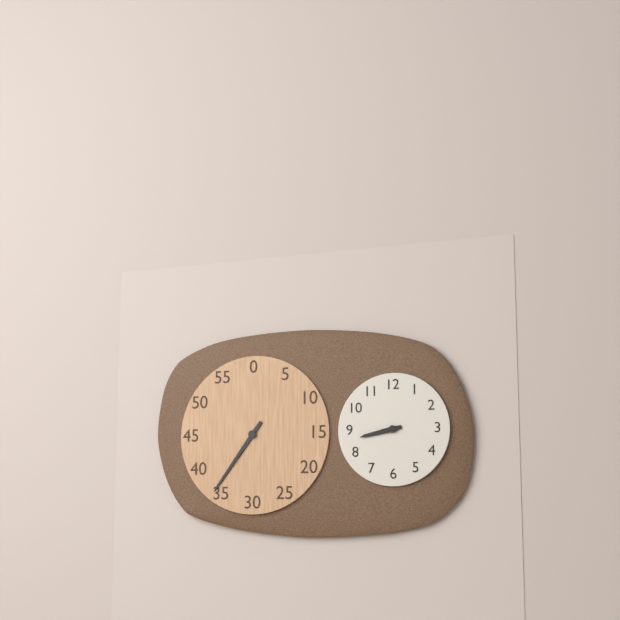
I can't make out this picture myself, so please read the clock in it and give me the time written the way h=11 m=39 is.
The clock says h=8 m=36
